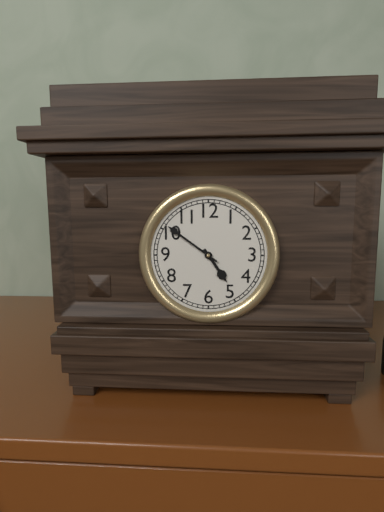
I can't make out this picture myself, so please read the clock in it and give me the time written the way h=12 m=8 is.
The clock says h=4 m=51
